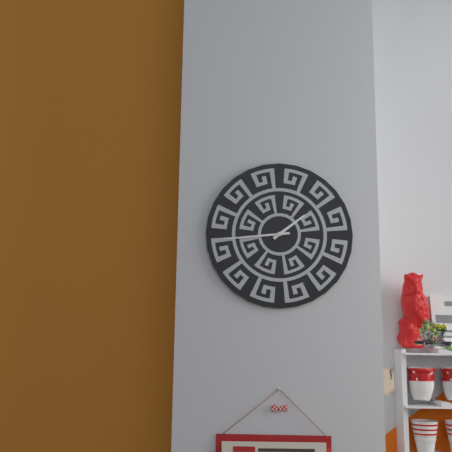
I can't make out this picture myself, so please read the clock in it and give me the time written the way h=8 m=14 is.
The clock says h=1 m=44
